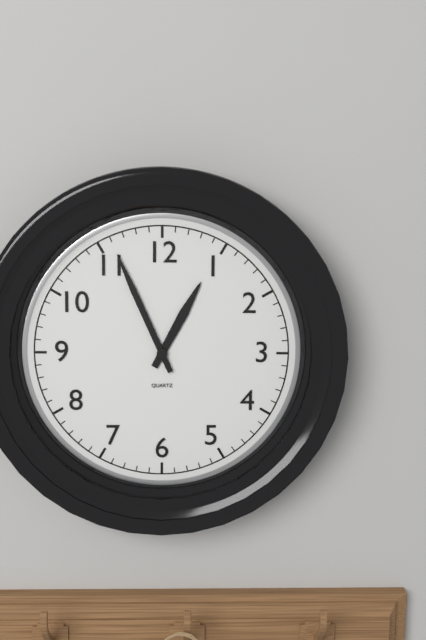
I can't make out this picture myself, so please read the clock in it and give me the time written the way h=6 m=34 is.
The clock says h=12 m=56
